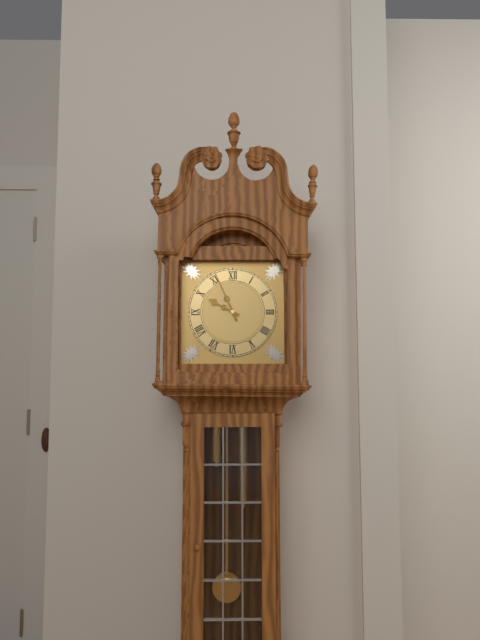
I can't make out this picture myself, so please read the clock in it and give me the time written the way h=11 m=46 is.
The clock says h=9 m=56
